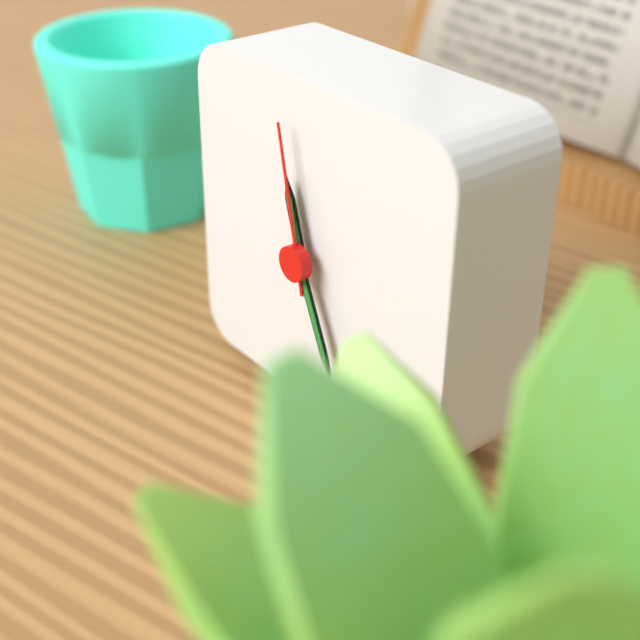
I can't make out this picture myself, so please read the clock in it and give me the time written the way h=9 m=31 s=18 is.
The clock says h=11 m=26 s=58
